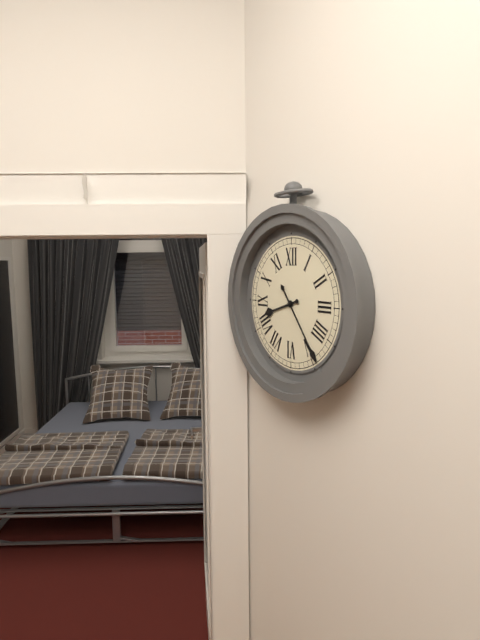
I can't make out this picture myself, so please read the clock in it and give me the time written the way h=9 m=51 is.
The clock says h=8 m=24
